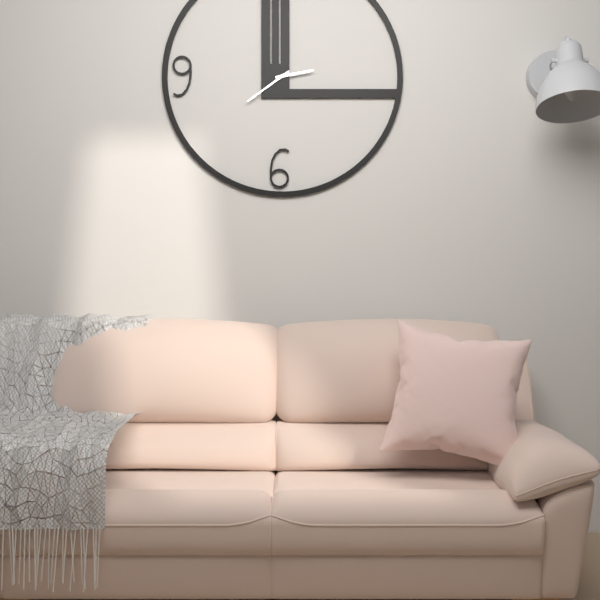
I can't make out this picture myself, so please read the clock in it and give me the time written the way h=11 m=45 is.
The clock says h=2 m=39
